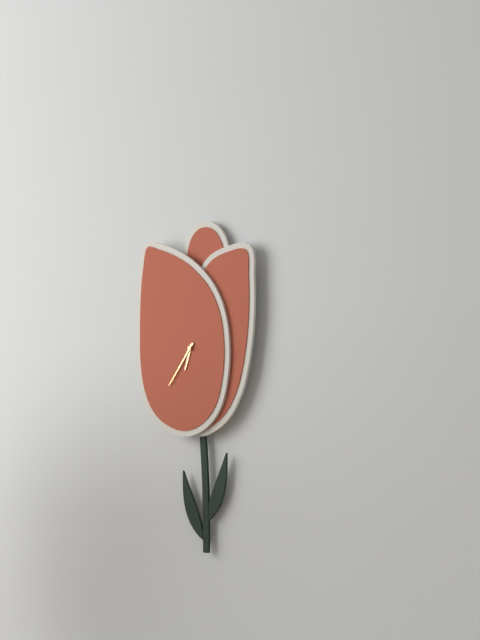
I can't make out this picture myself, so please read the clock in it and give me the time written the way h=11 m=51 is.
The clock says h=6 m=36
